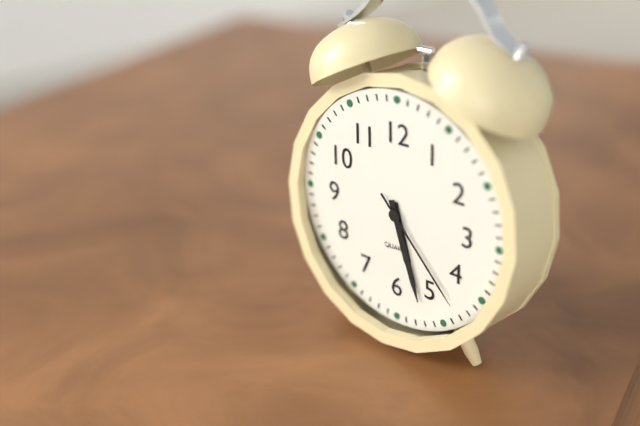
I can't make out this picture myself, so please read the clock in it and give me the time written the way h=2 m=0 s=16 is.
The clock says h=5 m=27 s=23
